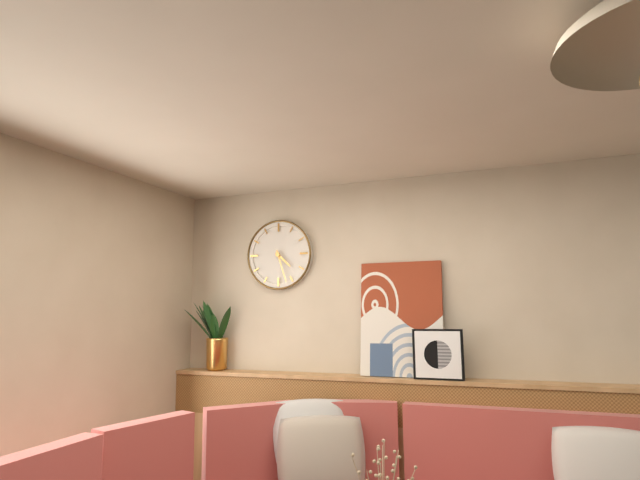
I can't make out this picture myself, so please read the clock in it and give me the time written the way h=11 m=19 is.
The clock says h=4 m=27
